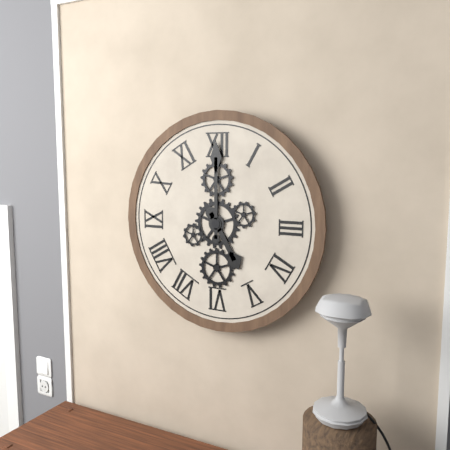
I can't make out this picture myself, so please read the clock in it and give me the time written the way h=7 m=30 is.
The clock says h=5 m=0
